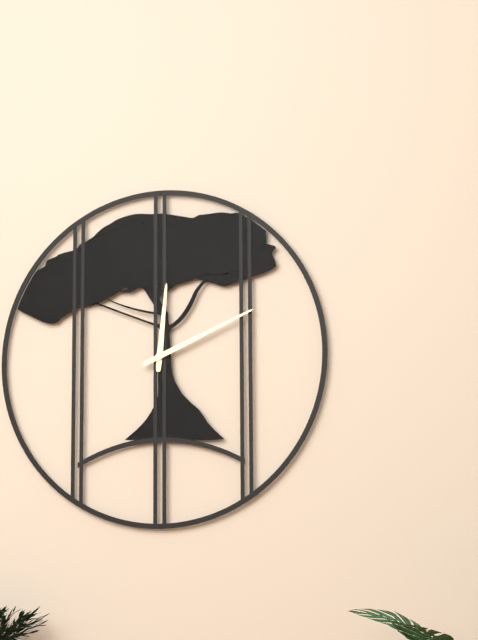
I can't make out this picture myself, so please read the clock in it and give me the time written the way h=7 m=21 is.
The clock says h=12 m=11
